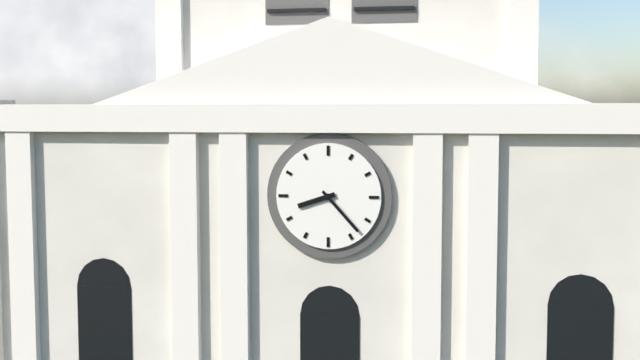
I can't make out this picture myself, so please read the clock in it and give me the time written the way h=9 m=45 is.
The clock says h=8 m=23
